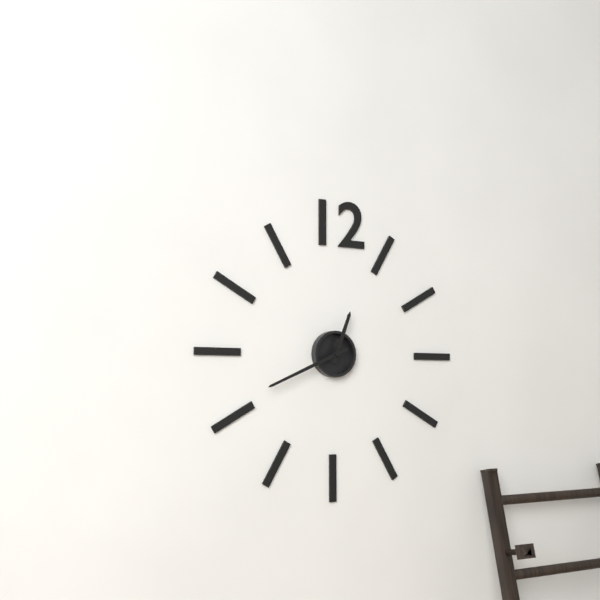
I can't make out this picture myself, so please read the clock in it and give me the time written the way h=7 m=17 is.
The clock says h=12 m=41
